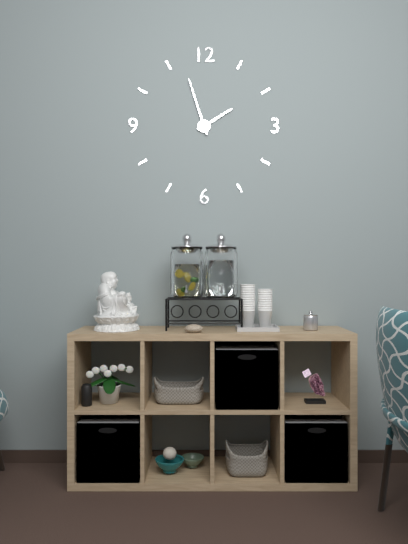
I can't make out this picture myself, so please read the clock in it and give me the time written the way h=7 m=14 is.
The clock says h=1 m=57
